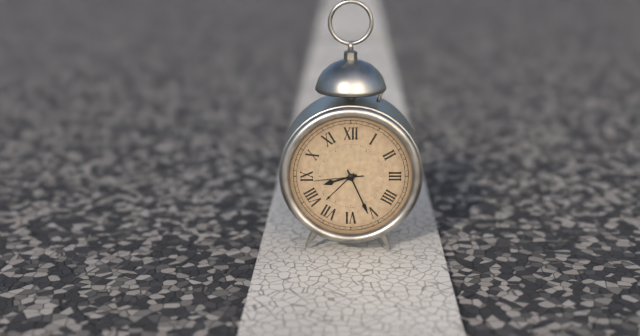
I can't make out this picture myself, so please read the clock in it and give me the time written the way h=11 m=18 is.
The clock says h=8 m=26
